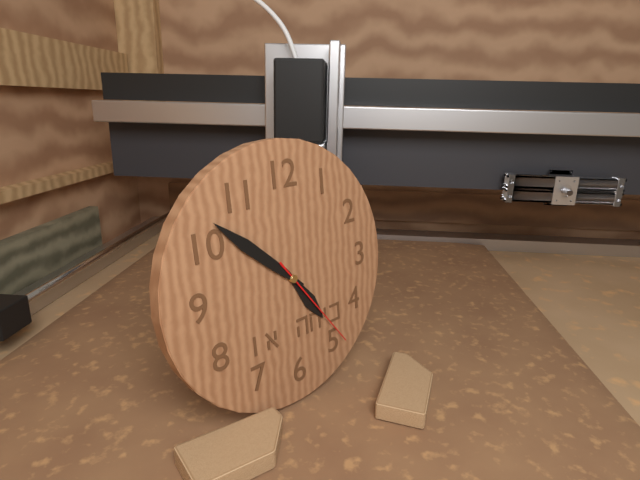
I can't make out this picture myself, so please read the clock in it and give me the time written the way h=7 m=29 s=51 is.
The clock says h=4 m=52 s=24
